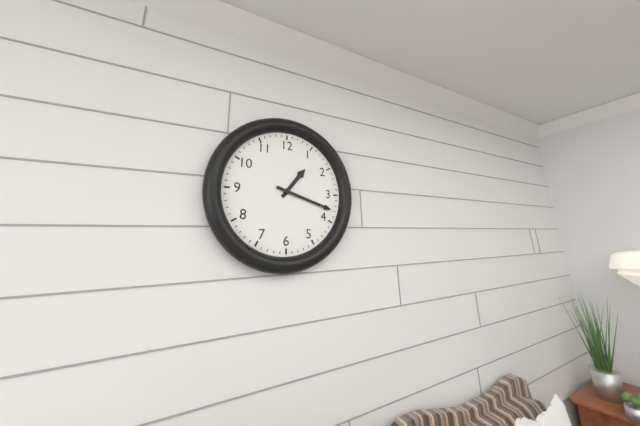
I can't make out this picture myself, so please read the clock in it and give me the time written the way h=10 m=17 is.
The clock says h=1 m=18
